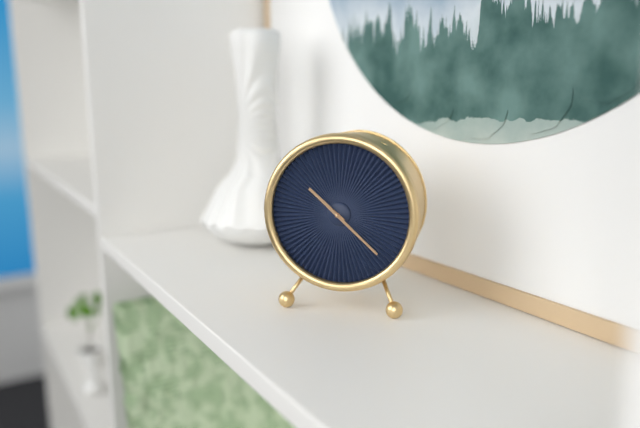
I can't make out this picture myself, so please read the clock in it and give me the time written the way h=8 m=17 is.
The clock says h=10 m=22
